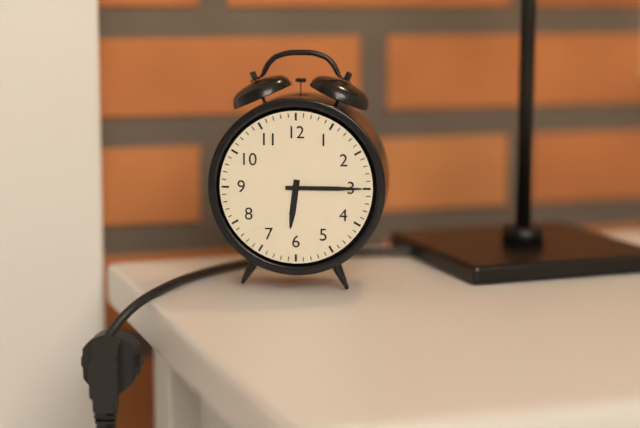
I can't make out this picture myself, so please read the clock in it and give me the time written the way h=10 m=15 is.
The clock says h=6 m=15
